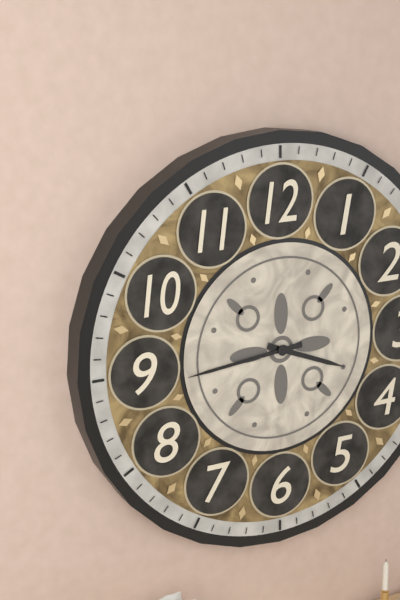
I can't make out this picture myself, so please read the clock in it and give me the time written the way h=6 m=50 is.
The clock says h=3 m=44
